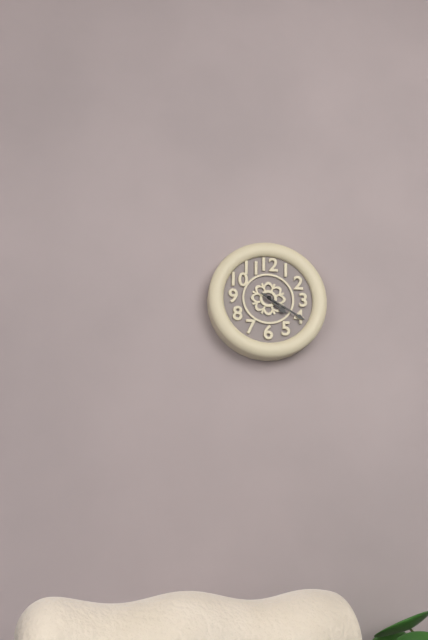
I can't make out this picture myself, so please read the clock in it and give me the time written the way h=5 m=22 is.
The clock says h=4 m=20
